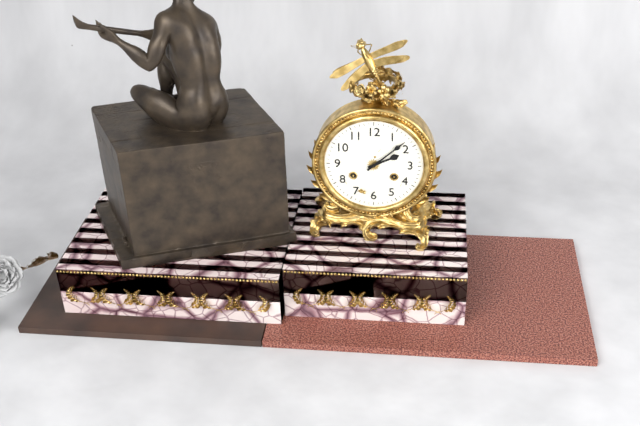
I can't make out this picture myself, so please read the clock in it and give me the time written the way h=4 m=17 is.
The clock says h=2 m=8
